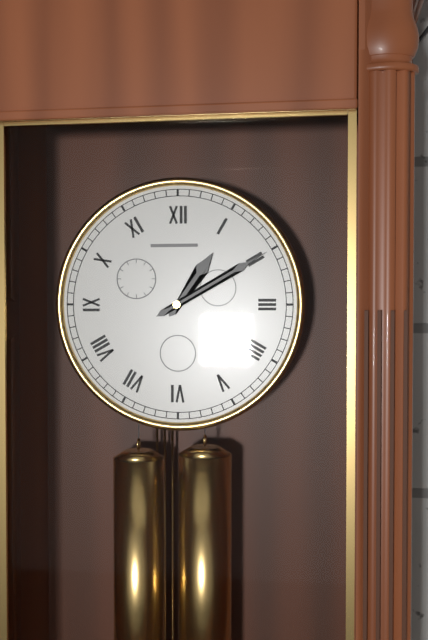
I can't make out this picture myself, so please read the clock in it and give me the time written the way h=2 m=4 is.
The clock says h=1 m=10
